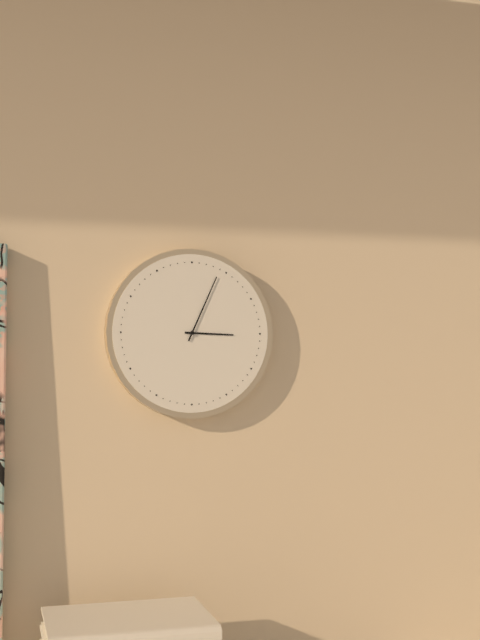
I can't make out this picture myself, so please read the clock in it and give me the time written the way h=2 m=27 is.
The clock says h=3 m=4
